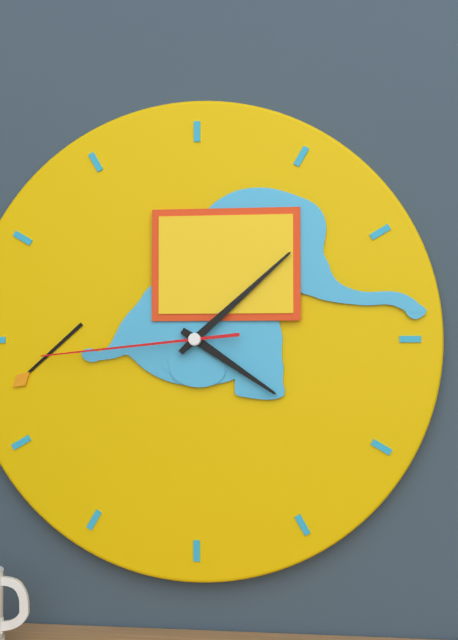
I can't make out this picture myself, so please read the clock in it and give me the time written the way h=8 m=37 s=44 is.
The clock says h=4 m=8 s=44
